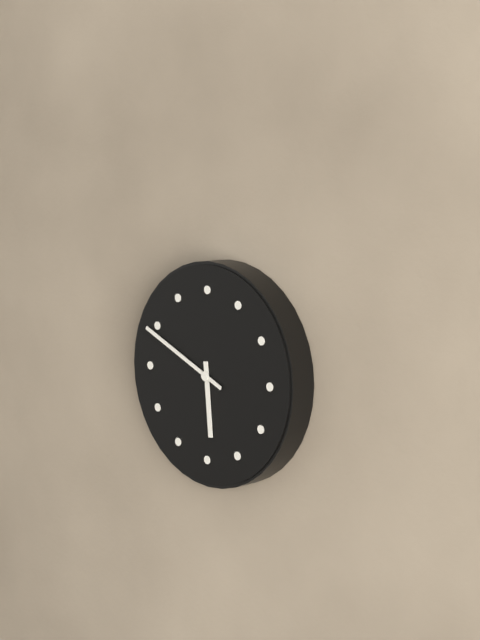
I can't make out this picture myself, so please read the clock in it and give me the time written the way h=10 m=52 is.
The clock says h=5 m=49
